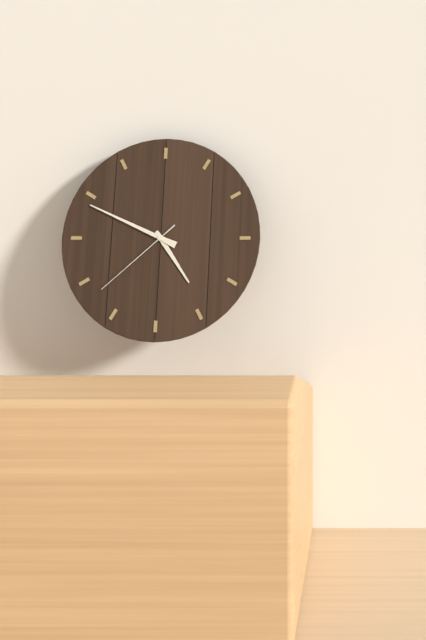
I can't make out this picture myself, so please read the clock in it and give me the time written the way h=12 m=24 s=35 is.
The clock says h=4 m=49 s=38
